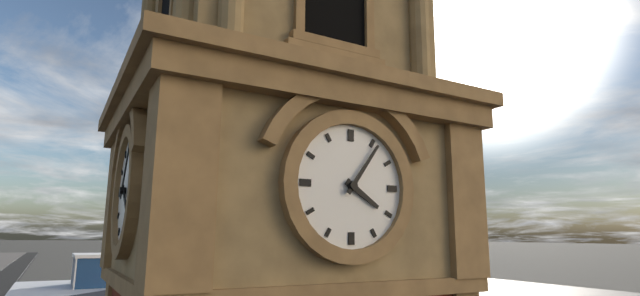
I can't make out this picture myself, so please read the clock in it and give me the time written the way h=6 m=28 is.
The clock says h=4 m=6
